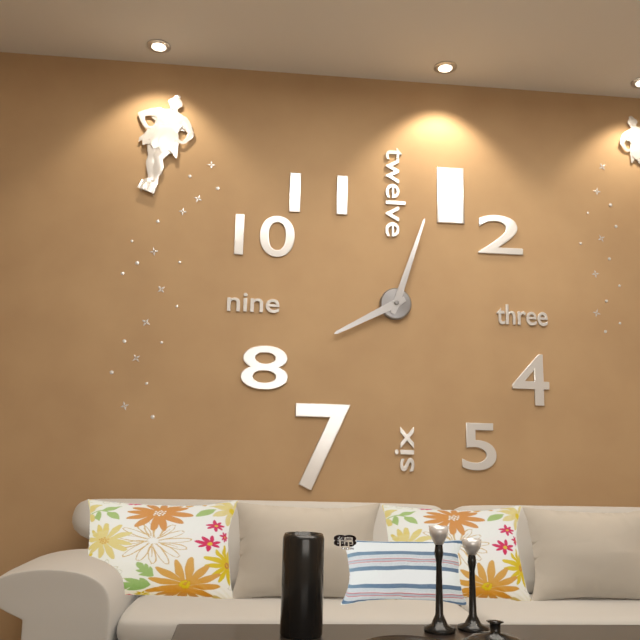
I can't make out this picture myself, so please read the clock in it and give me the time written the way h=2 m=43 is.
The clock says h=8 m=3
